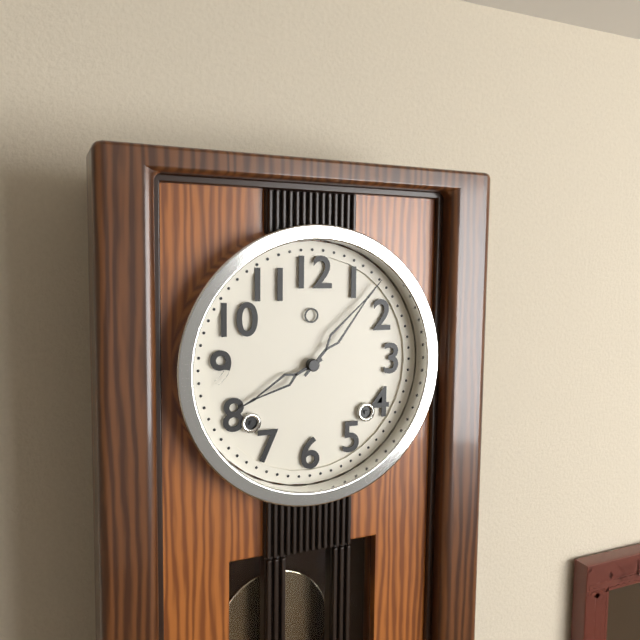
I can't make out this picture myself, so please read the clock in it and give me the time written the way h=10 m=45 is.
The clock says h=8 m=7
